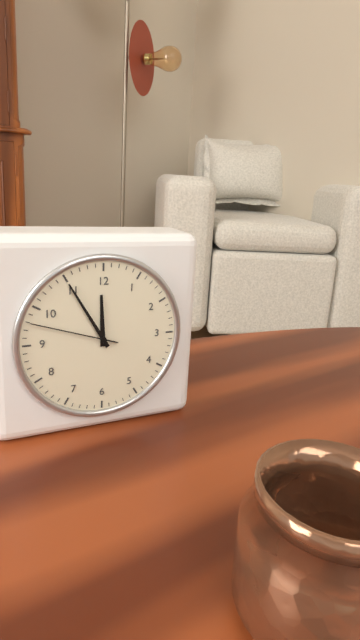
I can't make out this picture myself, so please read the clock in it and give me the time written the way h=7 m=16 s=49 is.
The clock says h=11 m=55 s=48
